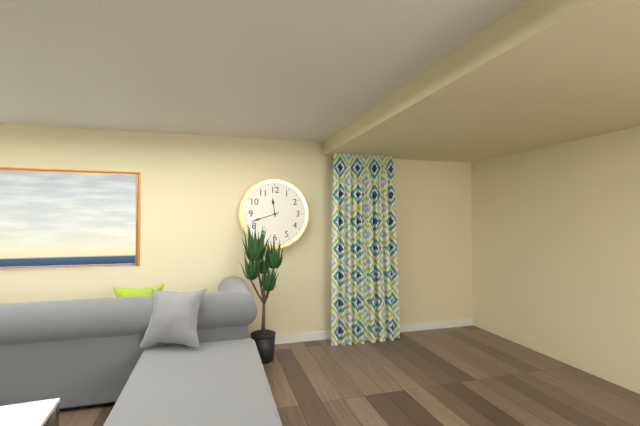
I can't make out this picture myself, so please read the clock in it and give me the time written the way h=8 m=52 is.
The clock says h=11 m=42
